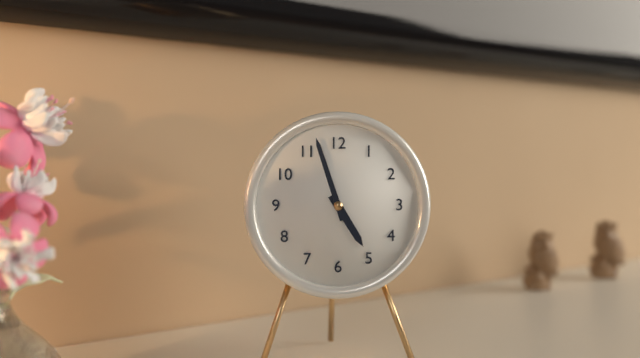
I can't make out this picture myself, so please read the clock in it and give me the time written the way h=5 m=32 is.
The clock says h=4 m=57
